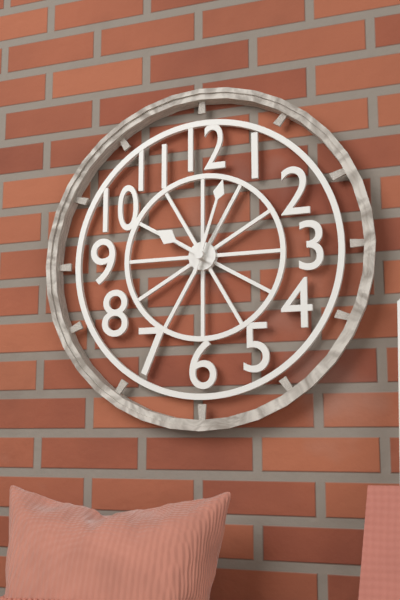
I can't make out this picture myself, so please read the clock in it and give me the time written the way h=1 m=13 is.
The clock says h=10 m=3
